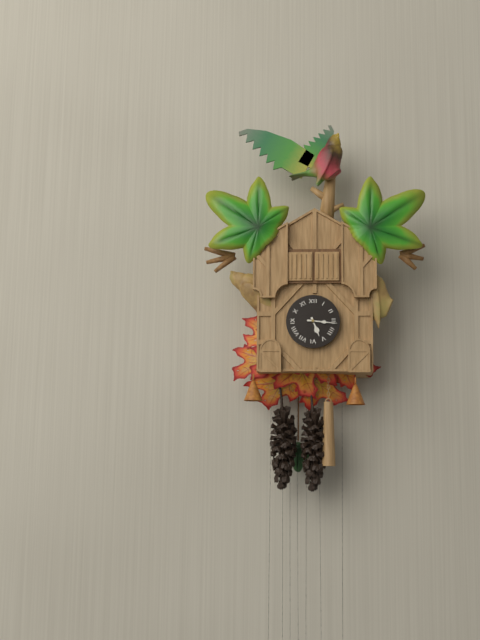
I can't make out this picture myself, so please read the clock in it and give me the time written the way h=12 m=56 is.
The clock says h=5 m=16
